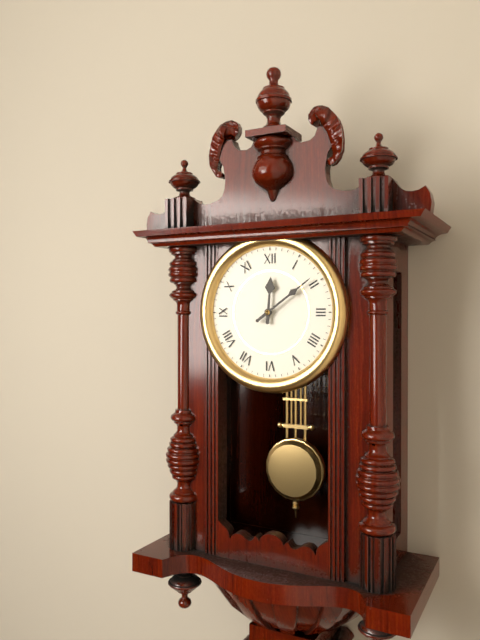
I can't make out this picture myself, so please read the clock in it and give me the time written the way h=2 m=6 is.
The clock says h=12 m=9
